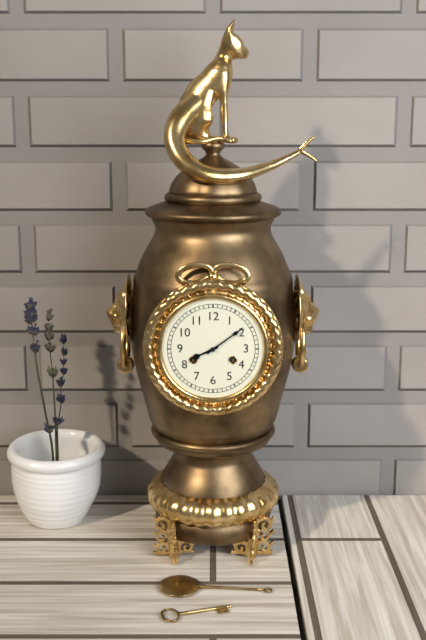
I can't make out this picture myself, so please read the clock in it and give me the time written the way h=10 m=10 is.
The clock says h=8 m=9
